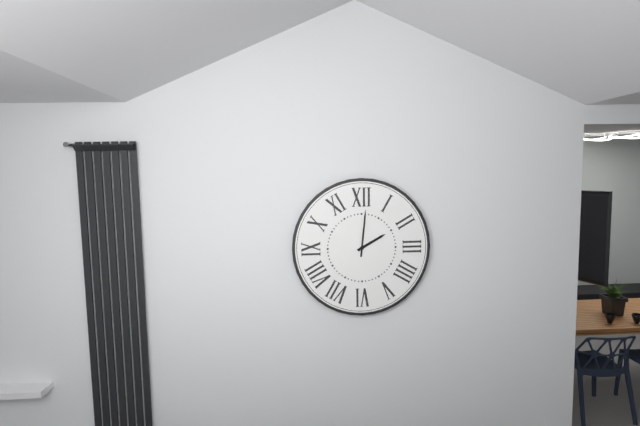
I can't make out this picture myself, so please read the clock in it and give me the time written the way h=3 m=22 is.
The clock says h=2 m=1
